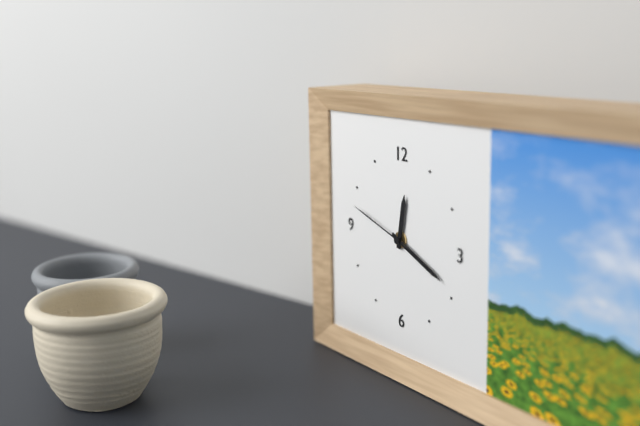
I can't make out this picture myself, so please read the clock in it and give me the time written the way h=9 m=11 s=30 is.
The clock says h=12 m=19 s=48
